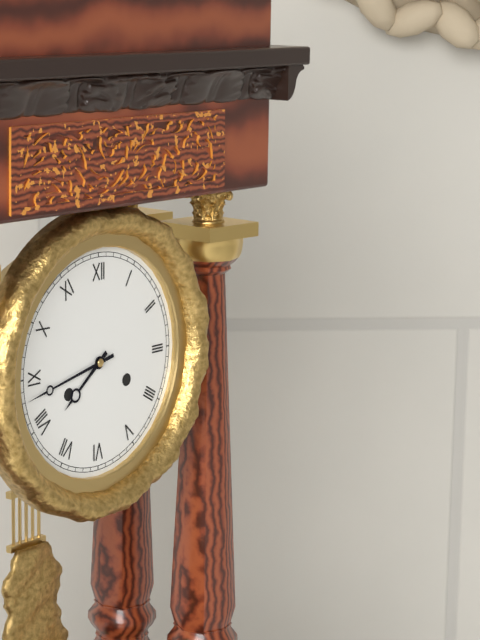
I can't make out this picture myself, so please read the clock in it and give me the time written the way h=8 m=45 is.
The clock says h=7 m=43
